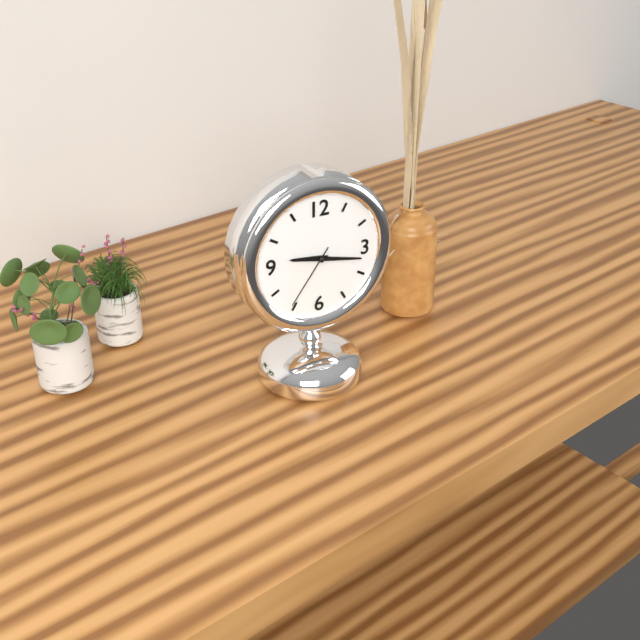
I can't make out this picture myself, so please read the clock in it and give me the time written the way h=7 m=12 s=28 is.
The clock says h=9 m=17 s=36
